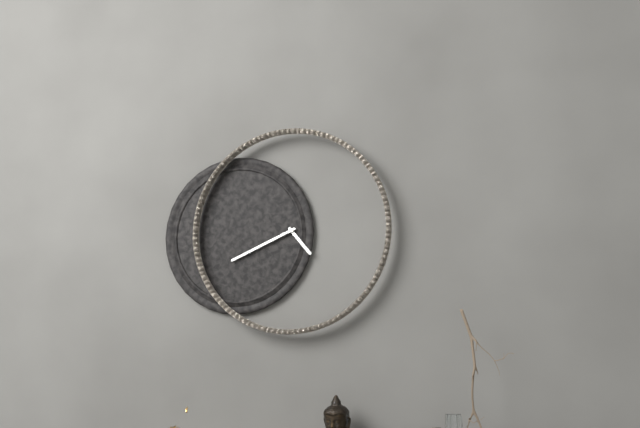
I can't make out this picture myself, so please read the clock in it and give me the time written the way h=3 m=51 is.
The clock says h=4 m=41
